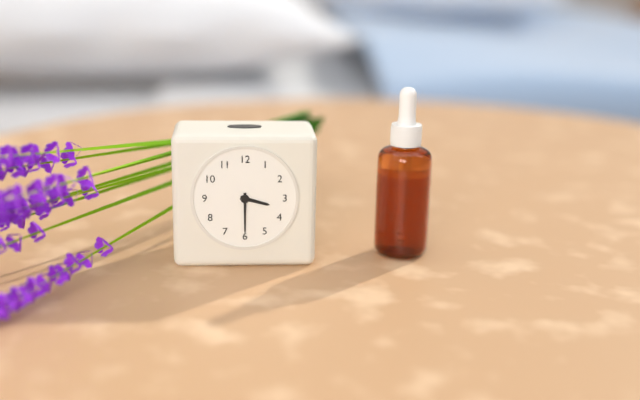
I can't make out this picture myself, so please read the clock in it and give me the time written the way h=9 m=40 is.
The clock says h=3 m=30
